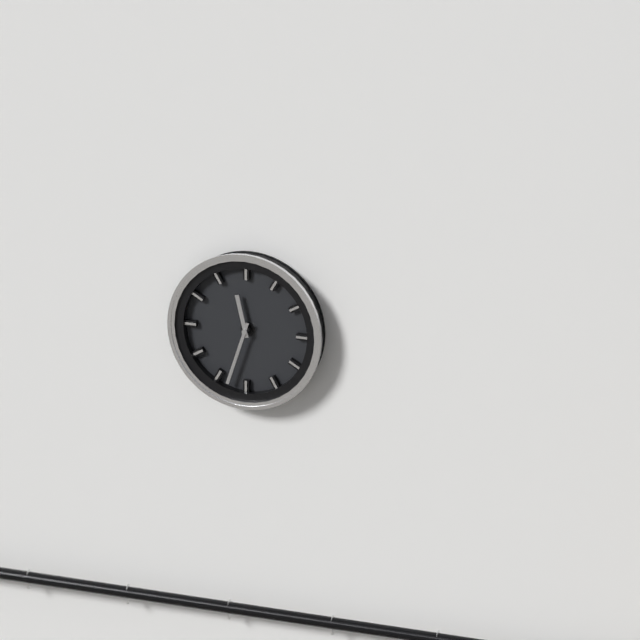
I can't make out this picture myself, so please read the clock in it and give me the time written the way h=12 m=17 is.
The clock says h=11 m=33
